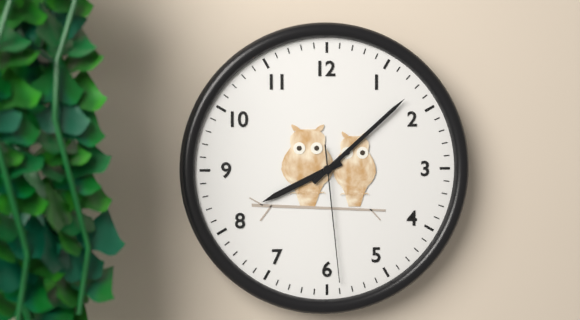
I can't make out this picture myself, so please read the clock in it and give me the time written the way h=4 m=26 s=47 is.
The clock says h=8 m=8 s=29
